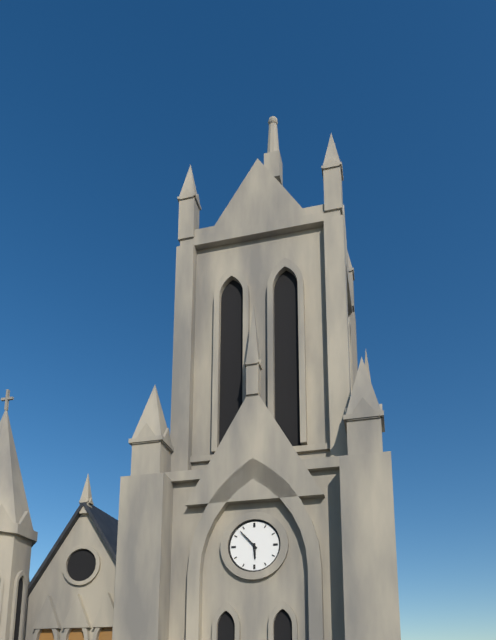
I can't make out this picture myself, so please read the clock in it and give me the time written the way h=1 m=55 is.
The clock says h=5 m=53
